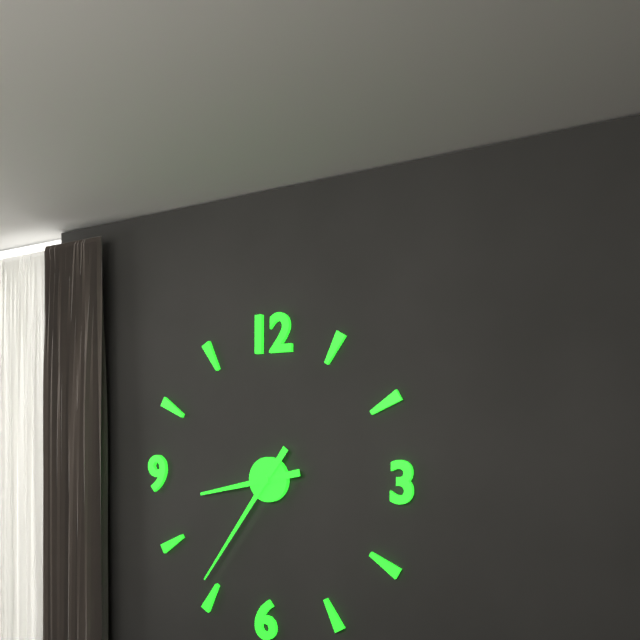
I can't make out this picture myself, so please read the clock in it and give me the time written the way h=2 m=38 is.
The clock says h=8 m=36
